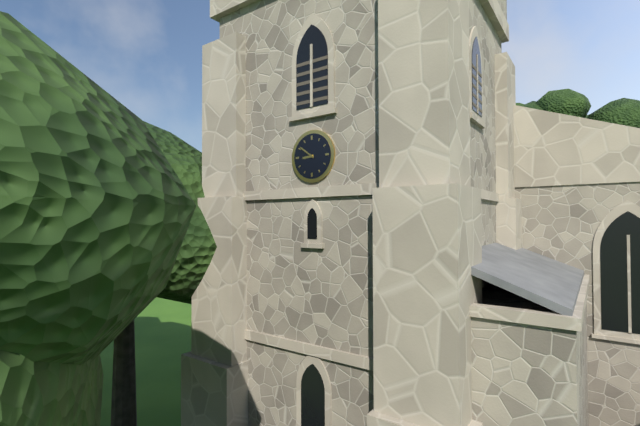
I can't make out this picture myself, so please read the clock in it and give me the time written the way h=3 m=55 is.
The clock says h=8 m=51
